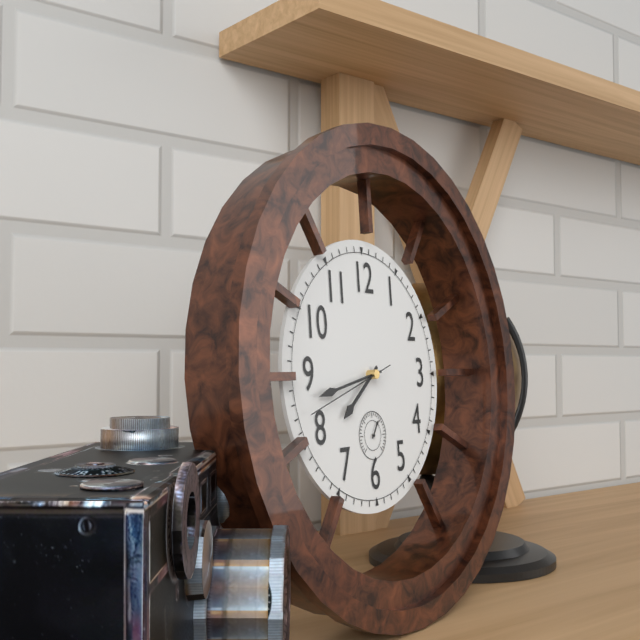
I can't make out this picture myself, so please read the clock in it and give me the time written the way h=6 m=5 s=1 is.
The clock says h=7 m=43 s=42
